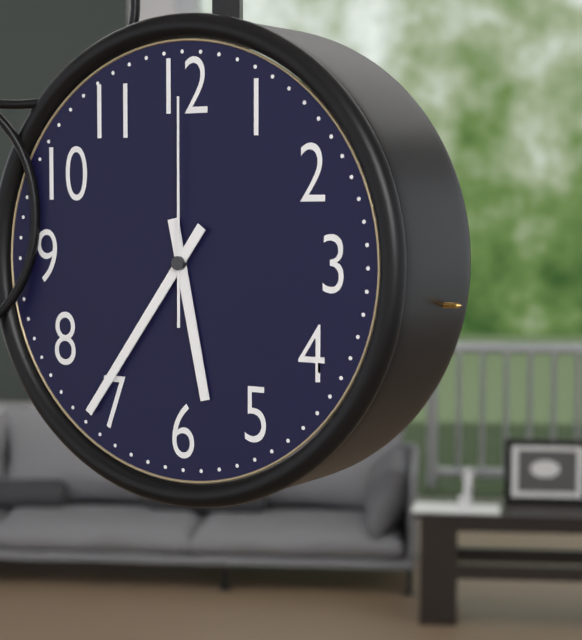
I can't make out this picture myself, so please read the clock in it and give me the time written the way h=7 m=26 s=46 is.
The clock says h=5 m=36 s=0
